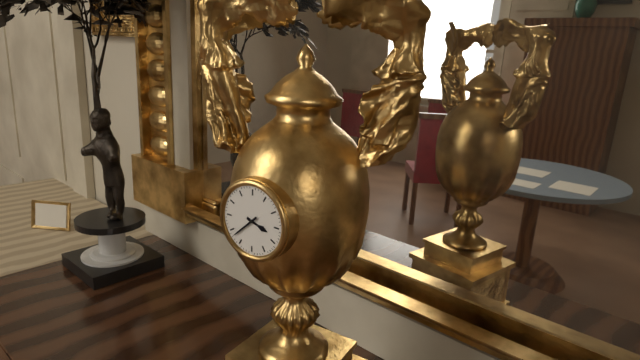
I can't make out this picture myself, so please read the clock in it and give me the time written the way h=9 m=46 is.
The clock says h=3 m=38
